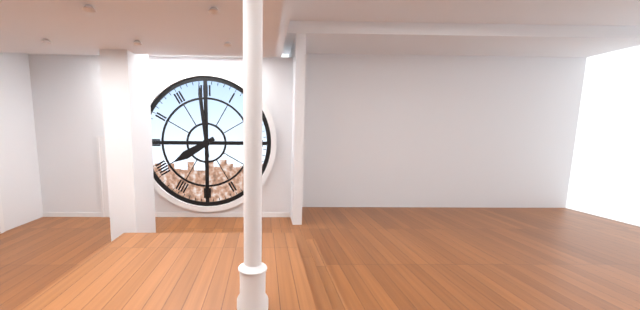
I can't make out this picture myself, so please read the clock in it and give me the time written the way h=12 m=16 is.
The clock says h=7 m=59
